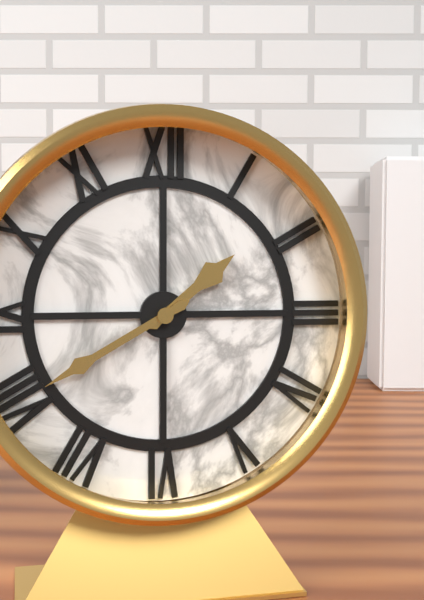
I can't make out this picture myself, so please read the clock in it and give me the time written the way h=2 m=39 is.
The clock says h=1 m=40
